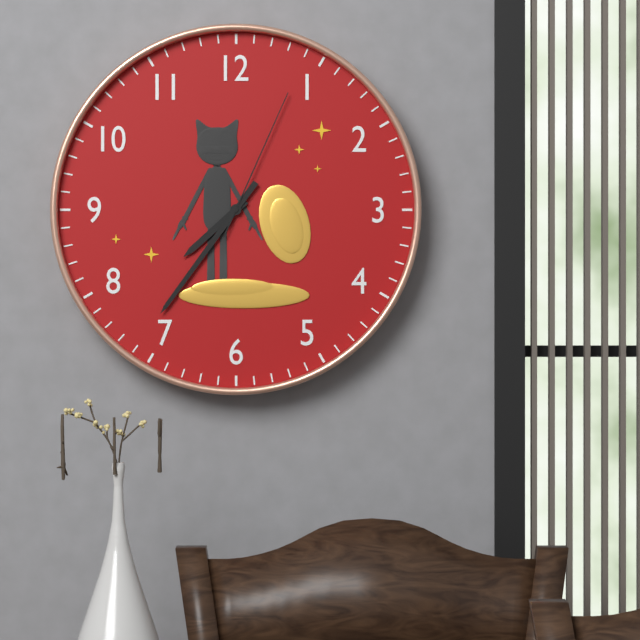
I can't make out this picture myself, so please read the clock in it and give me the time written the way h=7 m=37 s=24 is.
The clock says h=7 m=36 s=4
